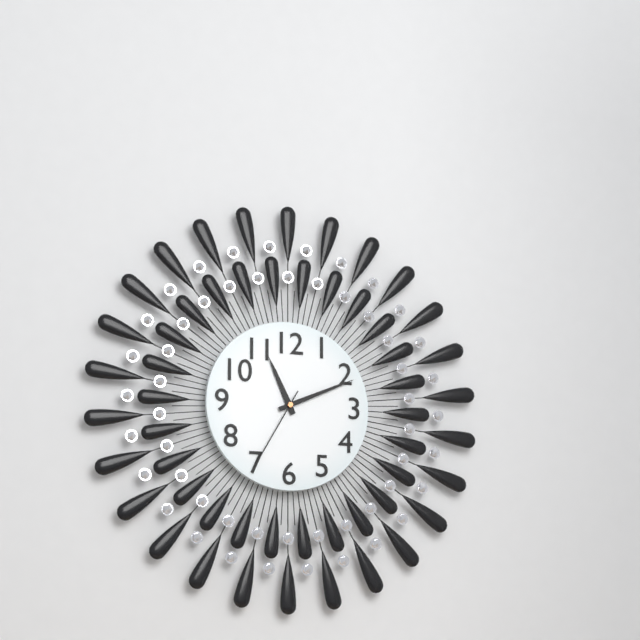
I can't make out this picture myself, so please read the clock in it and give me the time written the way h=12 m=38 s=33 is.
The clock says h=11 m=11 s=35
